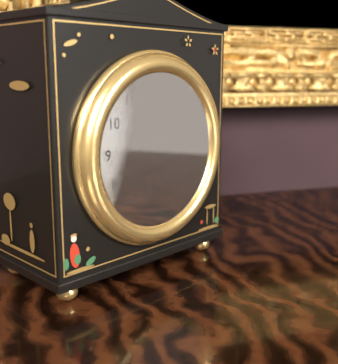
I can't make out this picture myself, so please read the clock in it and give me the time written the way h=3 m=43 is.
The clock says h=5 m=41
